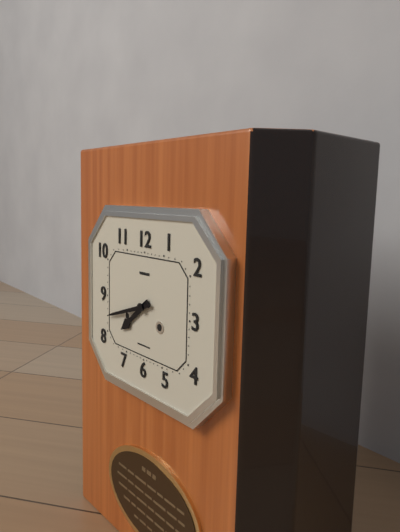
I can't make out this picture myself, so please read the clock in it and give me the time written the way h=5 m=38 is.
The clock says h=7 m=42
